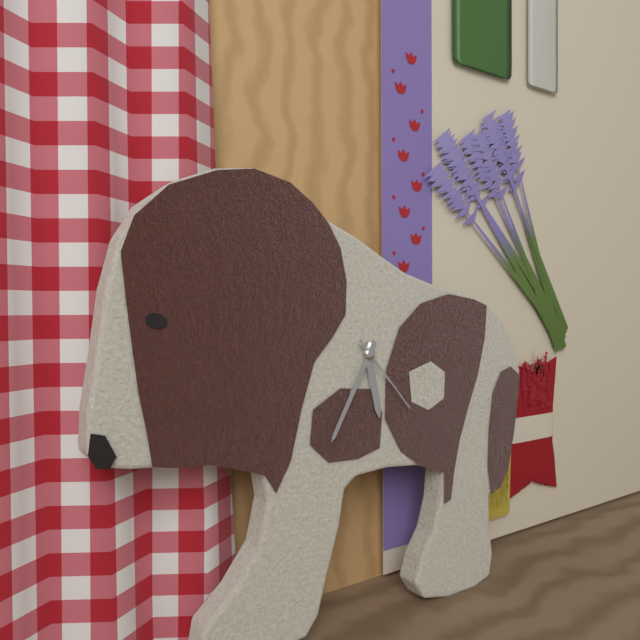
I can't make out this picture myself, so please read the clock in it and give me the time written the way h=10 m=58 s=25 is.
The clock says h=5 m=35 s=23
